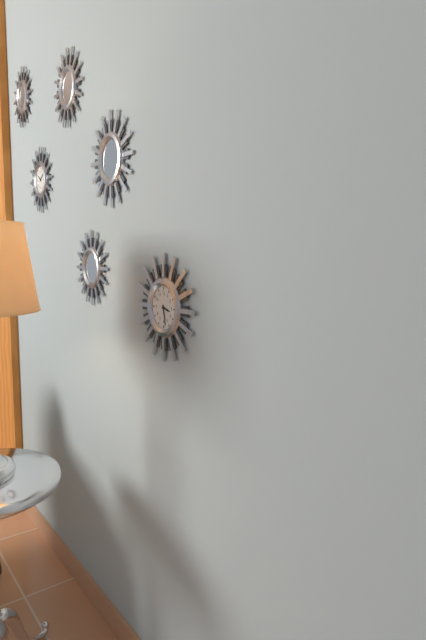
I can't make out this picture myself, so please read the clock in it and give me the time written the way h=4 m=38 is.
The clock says h=3 m=28
